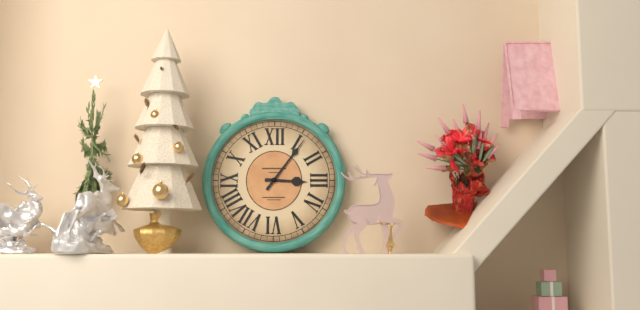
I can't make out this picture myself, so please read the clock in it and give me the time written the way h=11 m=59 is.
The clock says h=3 m=6
